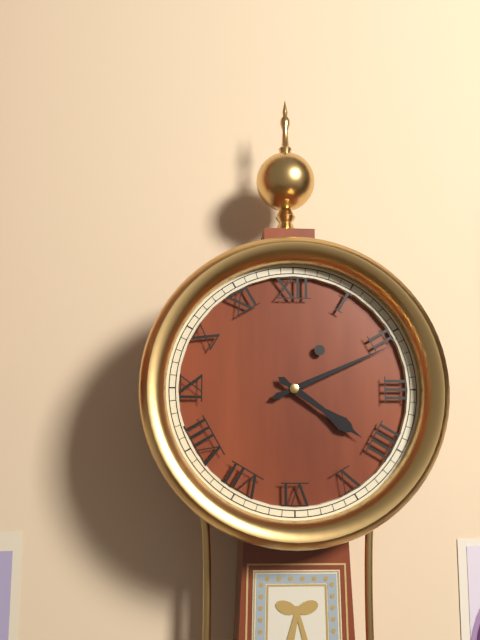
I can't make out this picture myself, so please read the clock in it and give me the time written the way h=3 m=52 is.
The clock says h=4 m=11
